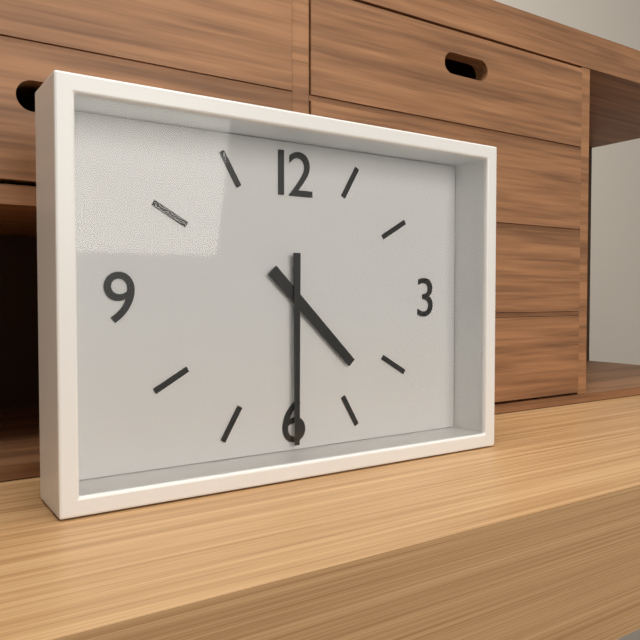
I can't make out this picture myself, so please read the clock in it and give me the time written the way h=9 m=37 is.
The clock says h=4 m=30
